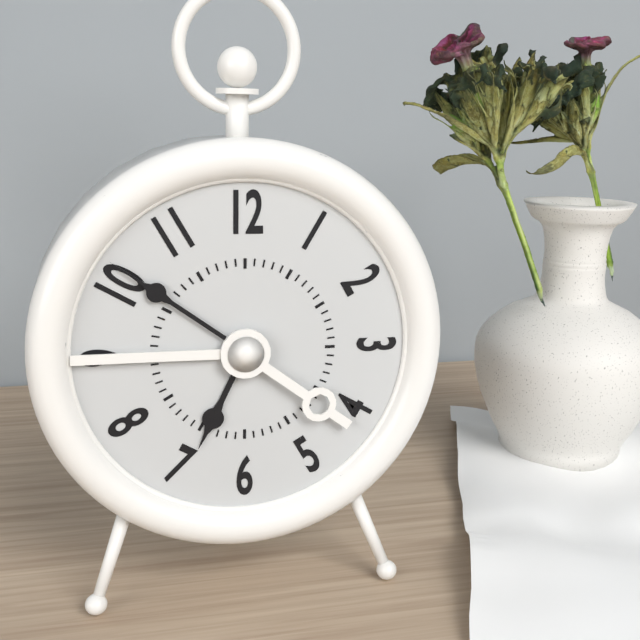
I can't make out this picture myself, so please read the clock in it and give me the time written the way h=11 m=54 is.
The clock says h=6 m=51
